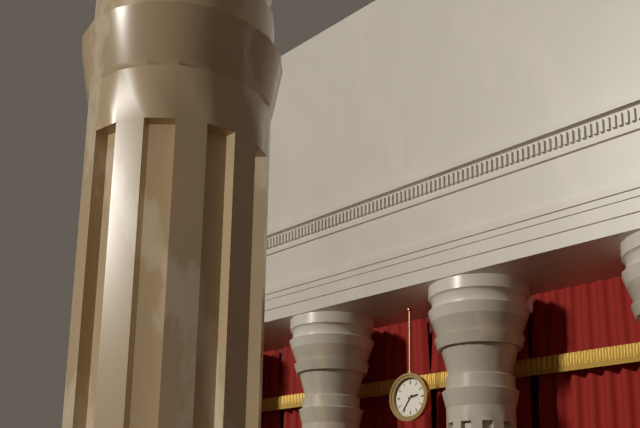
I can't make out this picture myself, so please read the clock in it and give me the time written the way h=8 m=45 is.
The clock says h=2 m=36
